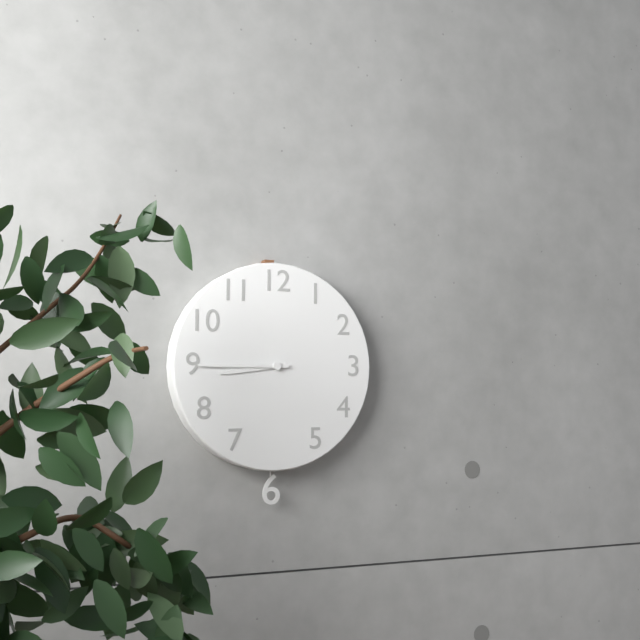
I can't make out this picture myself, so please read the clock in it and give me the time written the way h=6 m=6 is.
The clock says h=8 m=45
